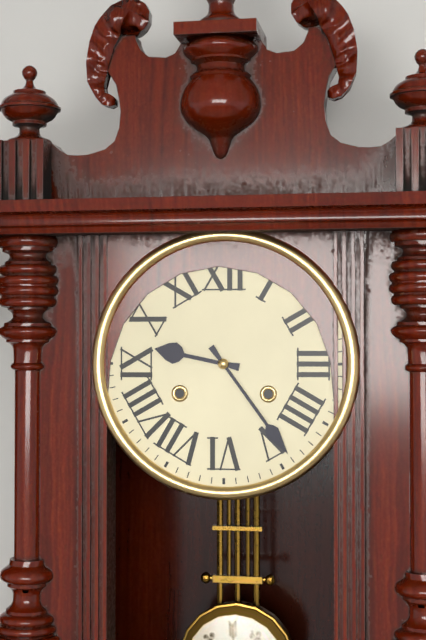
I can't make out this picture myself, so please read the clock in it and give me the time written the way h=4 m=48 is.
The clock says h=9 m=24
